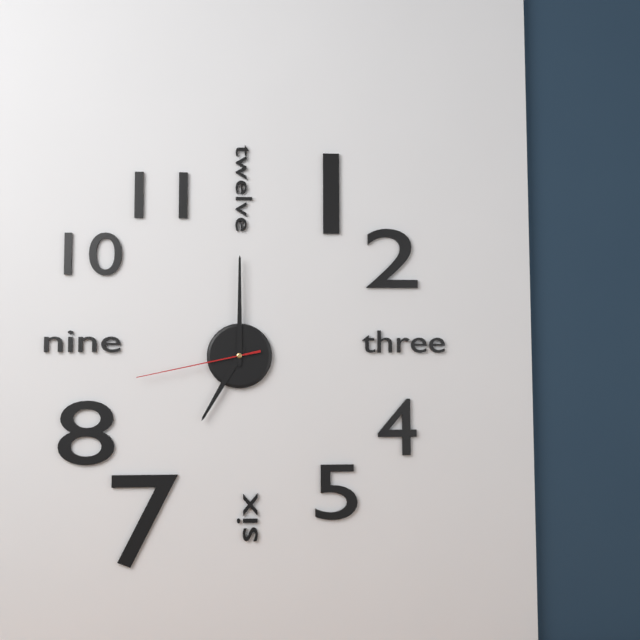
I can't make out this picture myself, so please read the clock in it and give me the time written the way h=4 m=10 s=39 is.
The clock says h=7 m=0 s=43
